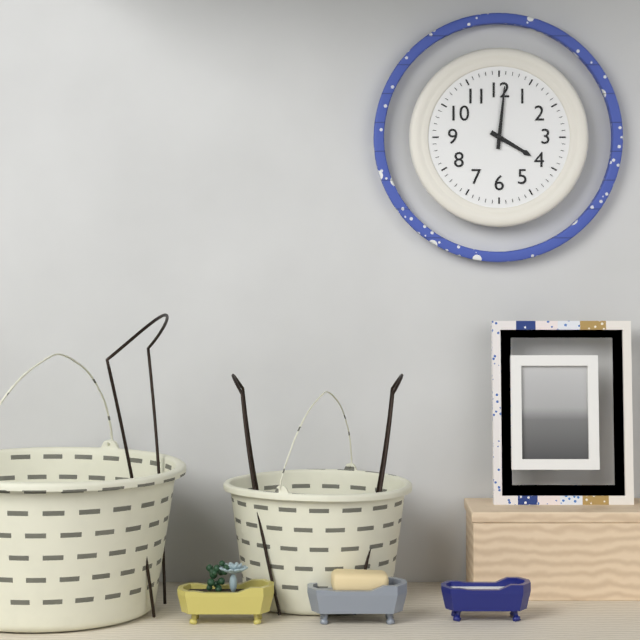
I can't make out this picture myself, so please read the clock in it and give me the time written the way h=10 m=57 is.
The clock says h=4 m=1
